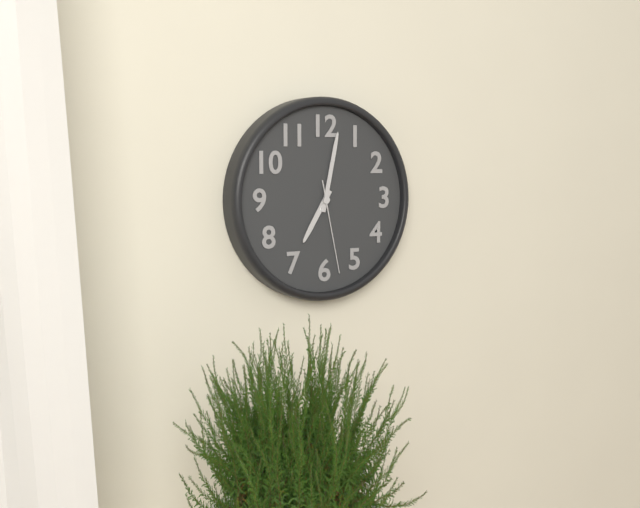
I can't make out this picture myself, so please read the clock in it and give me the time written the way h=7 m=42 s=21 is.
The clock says h=7 m=2 s=28
